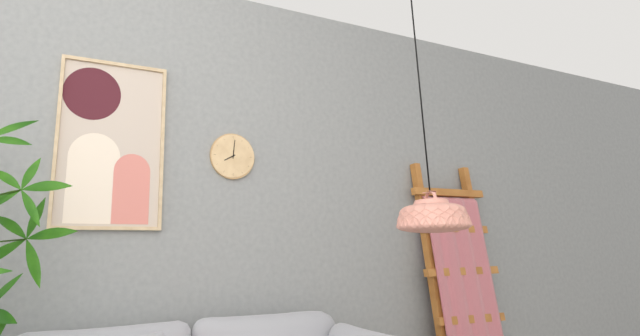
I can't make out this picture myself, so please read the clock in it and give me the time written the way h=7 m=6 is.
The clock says h=8 m=1
